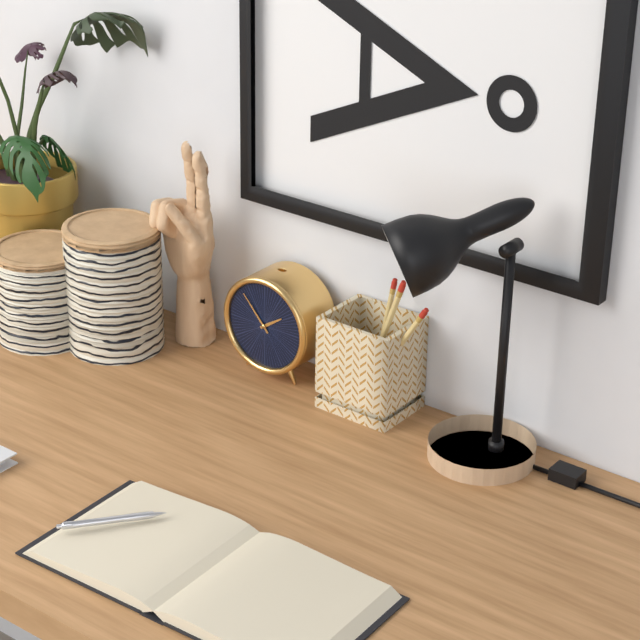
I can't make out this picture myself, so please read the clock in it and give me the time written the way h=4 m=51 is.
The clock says h=1 m=53
